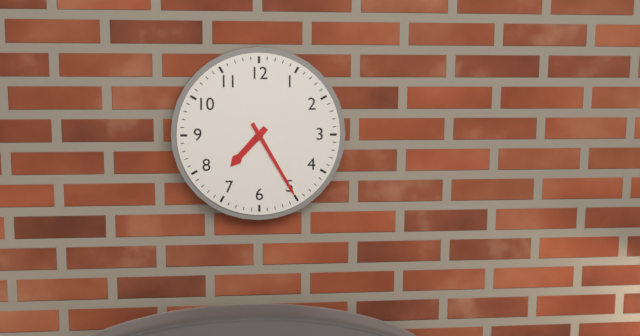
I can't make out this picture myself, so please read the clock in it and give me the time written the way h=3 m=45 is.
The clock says h=7 m=25
